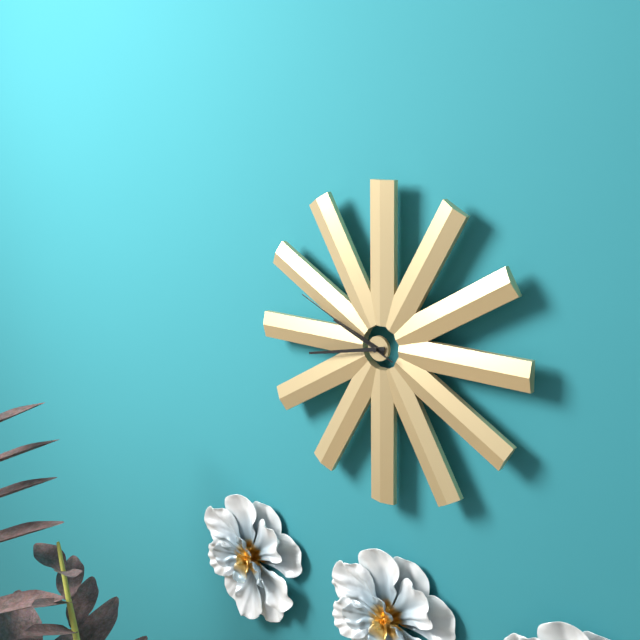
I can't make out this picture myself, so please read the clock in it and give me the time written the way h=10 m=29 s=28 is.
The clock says h=9 m=43 s=49
